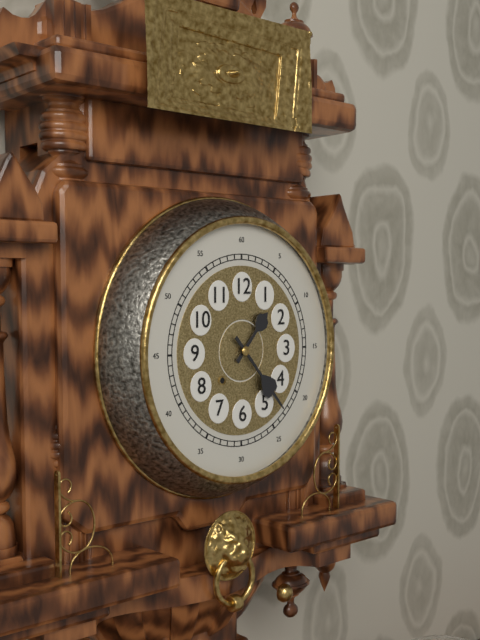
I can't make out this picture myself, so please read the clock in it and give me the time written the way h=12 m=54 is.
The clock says h=1 m=23
